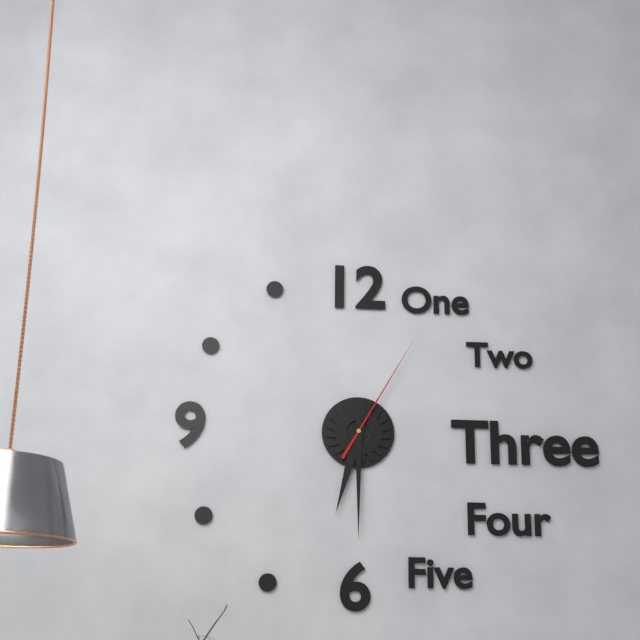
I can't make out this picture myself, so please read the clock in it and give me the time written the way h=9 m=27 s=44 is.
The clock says h=6 m=30 s=5
